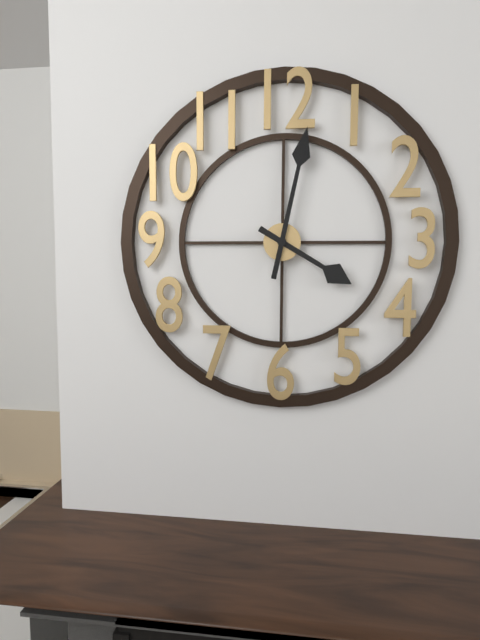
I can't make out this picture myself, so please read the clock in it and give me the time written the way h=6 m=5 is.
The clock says h=4 m=2
